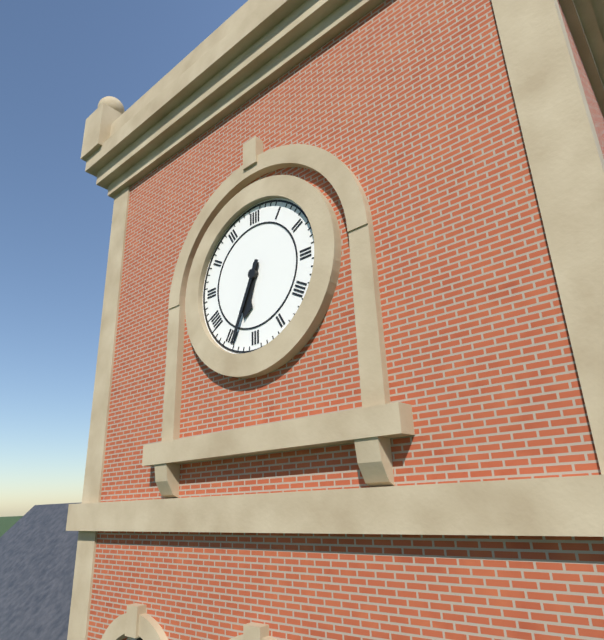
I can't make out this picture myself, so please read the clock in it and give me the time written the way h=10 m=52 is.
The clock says h=6 m=34
